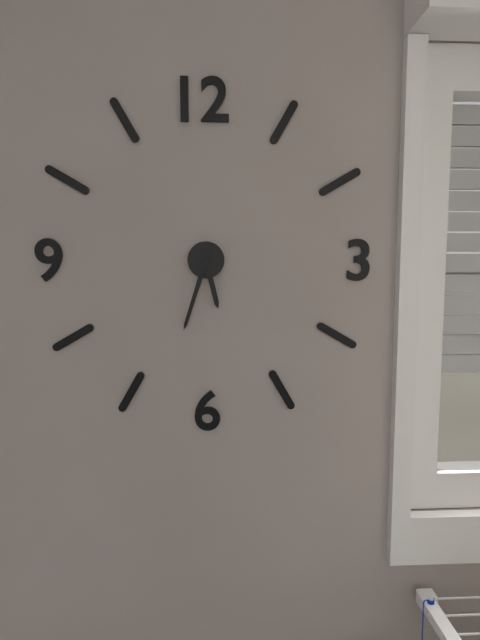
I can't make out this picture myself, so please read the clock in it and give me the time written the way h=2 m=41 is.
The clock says h=5 m=33
